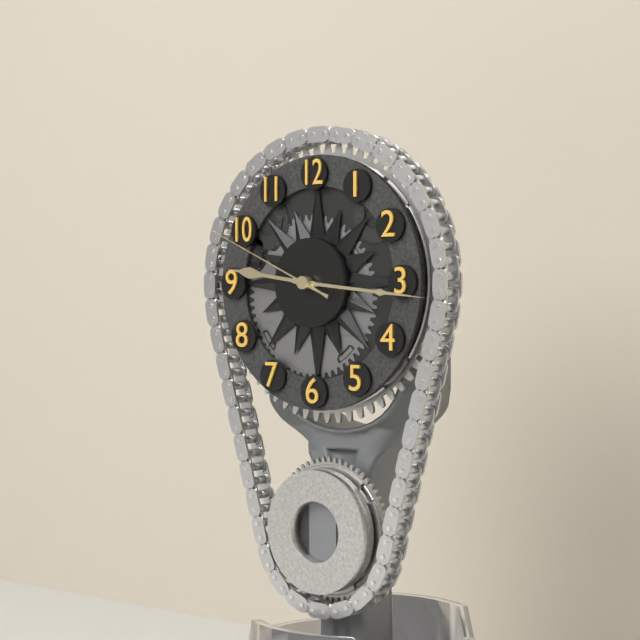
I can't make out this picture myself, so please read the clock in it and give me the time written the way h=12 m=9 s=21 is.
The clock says h=9 m=16 s=49
